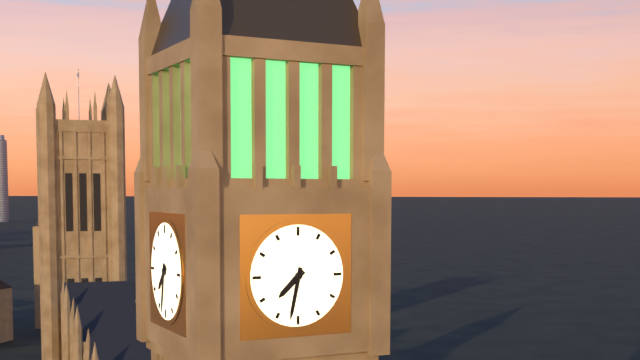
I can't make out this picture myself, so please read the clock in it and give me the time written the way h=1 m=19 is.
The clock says h=7 m=32
